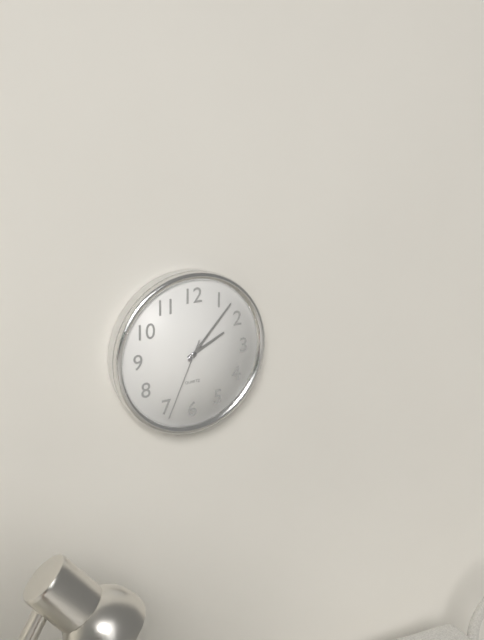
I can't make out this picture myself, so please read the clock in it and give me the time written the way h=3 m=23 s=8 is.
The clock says h=2 m=7 s=34
